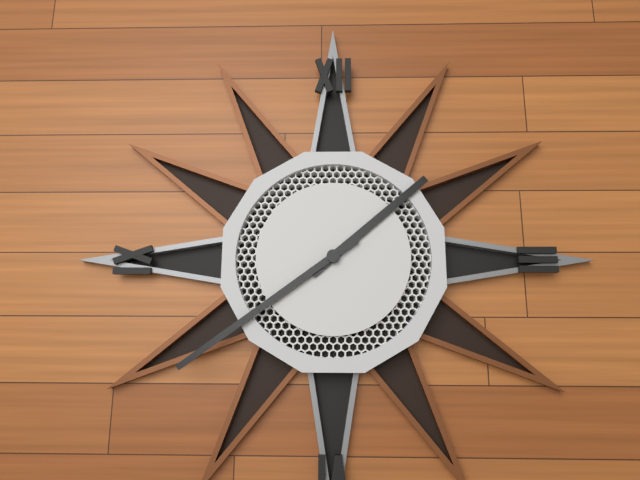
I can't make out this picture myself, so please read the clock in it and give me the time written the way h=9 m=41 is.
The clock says h=1 m=39
